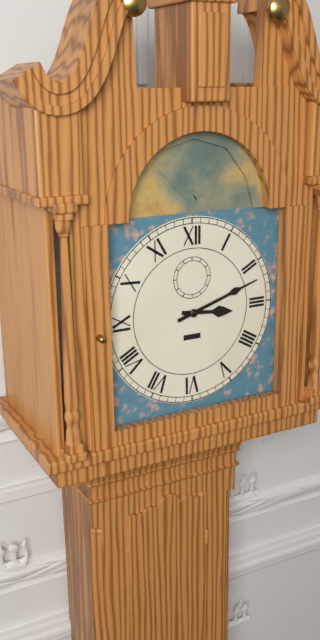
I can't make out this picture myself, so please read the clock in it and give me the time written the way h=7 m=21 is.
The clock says h=3 m=12
